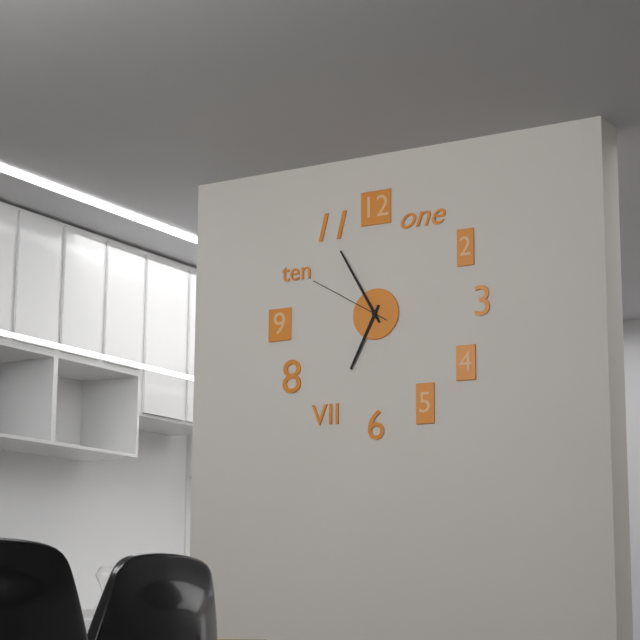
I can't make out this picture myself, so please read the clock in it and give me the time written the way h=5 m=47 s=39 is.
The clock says h=6 m=55 s=50
